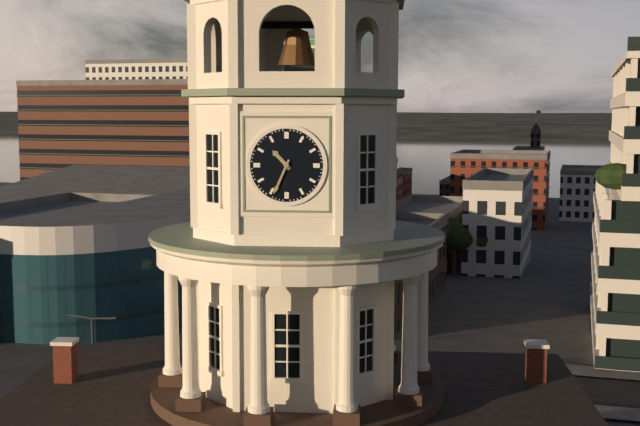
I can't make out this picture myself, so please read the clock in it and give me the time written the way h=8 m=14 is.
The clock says h=10 m=34
